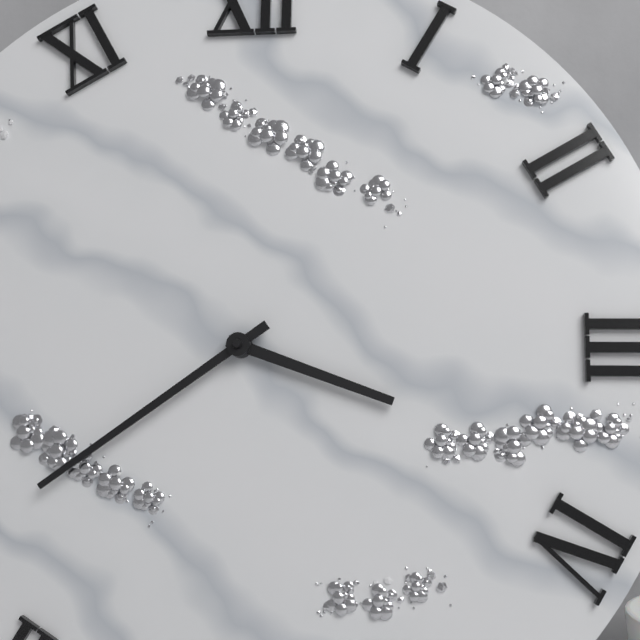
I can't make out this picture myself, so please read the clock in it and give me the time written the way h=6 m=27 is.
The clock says h=3 m=39
